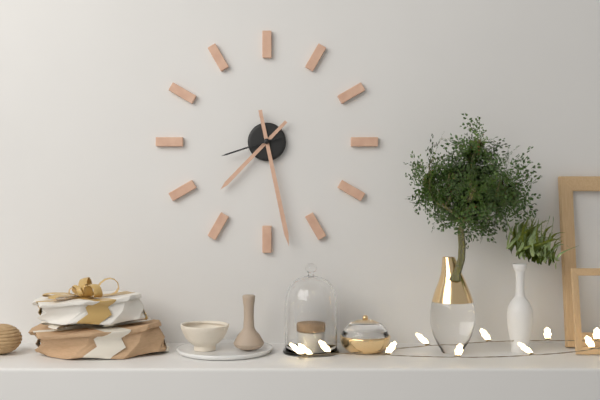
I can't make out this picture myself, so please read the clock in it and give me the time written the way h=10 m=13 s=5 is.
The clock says h=7 m=28 s=42
